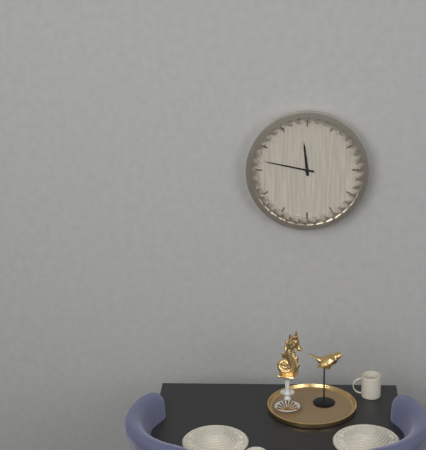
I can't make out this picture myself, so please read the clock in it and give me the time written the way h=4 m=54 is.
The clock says h=11 m=47
